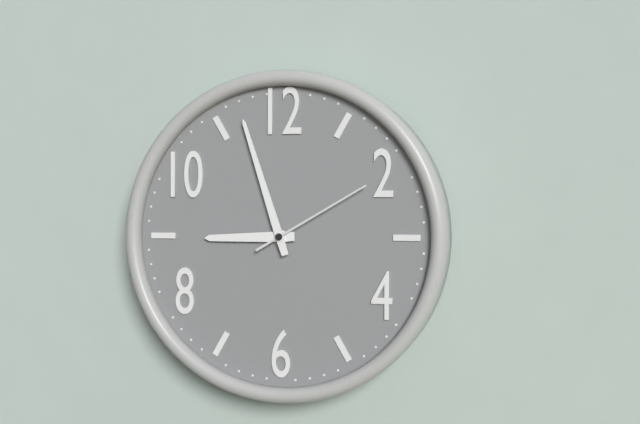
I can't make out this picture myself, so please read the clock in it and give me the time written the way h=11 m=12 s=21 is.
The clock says h=8 m=57 s=10
